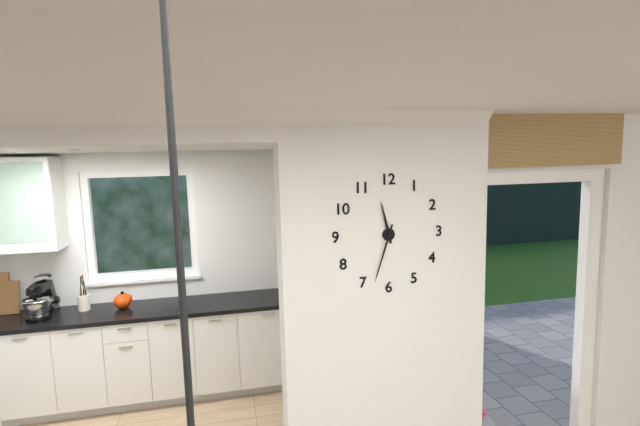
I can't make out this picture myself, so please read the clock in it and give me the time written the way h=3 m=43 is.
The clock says h=11 m=33
